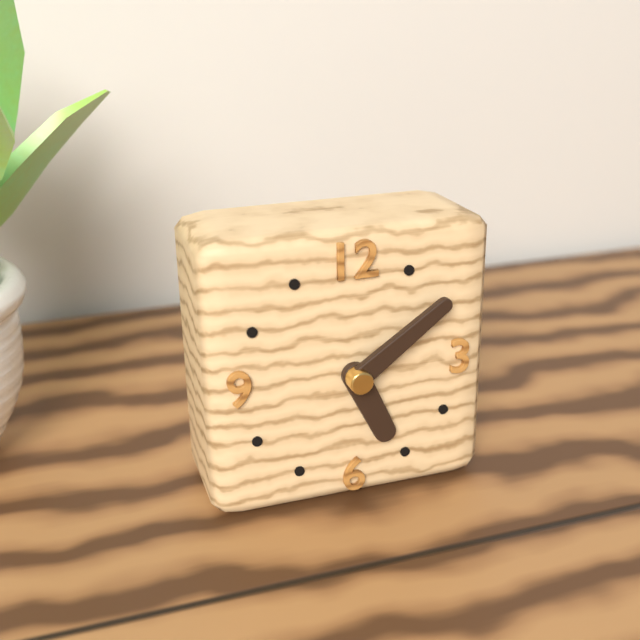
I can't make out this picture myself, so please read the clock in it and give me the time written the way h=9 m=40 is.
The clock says h=5 m=9
